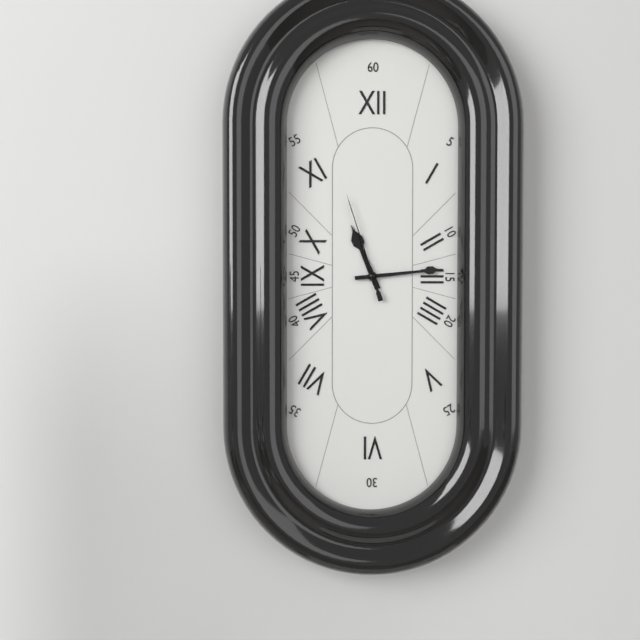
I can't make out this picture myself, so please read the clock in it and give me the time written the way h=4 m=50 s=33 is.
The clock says h=11 m=14 s=57
